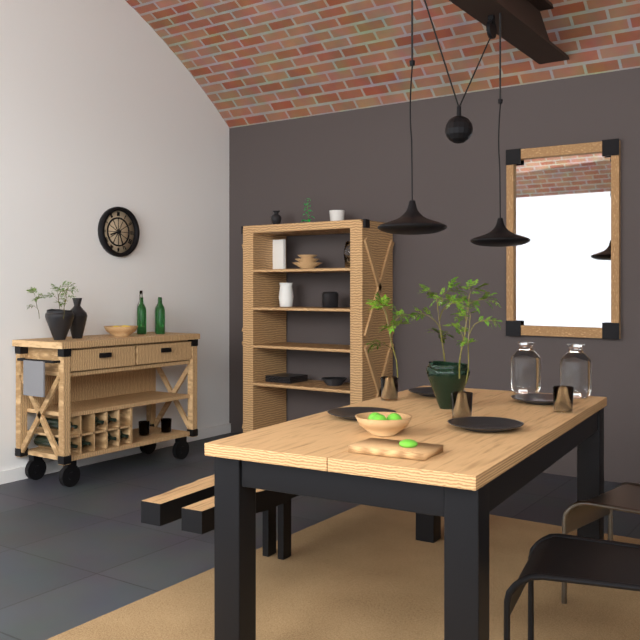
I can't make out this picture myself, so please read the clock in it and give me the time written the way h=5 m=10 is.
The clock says h=8 m=27
